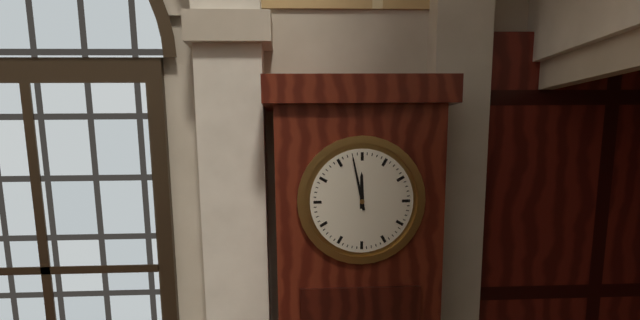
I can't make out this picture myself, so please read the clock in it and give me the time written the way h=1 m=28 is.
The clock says h=11 m=58
